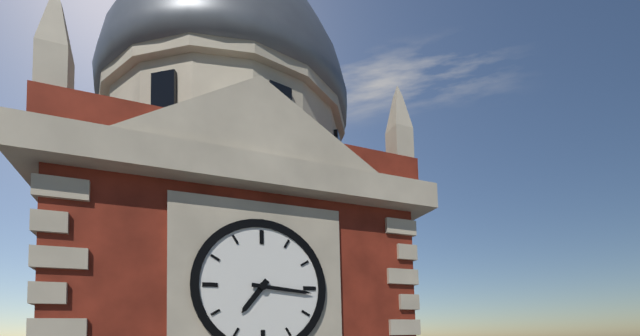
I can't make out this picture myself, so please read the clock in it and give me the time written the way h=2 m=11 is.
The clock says h=7 m=16
